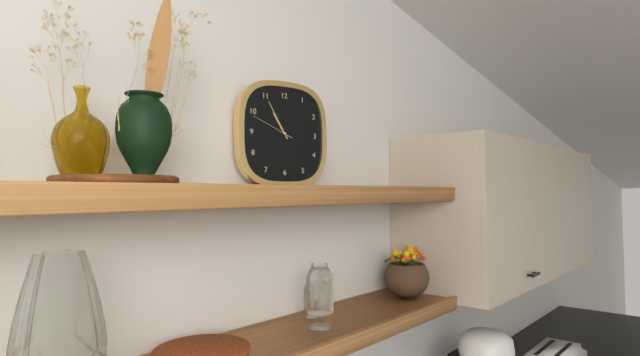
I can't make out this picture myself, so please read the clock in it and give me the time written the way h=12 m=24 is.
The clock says h=10 m=55
